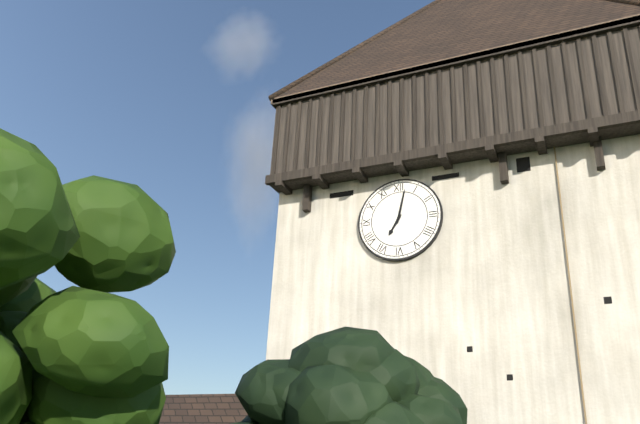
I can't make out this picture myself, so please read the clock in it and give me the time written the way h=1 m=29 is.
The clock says h=7 m=2
